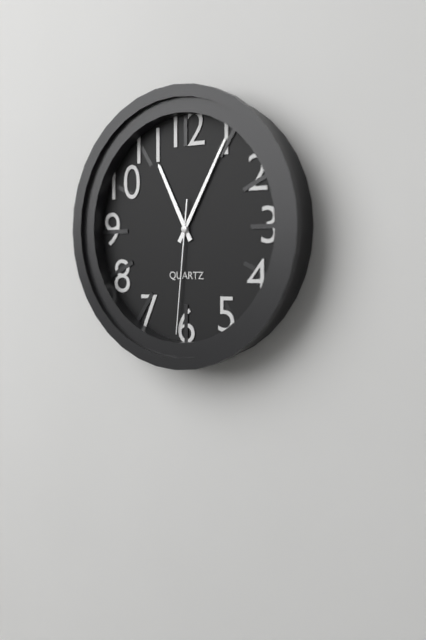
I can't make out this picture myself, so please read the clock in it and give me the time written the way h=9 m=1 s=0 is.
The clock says h=11 m=5 s=31
